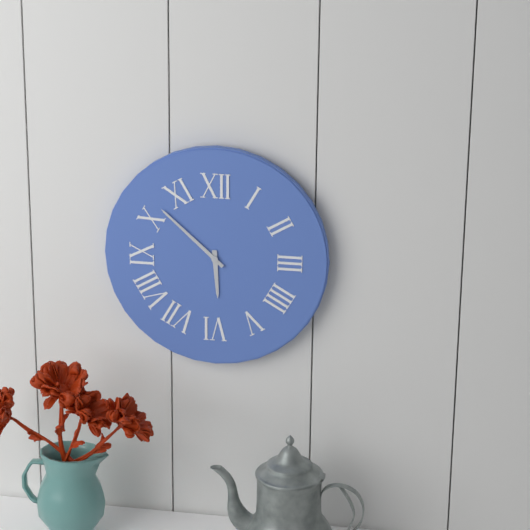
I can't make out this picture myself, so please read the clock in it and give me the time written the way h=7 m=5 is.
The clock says h=5 m=52
